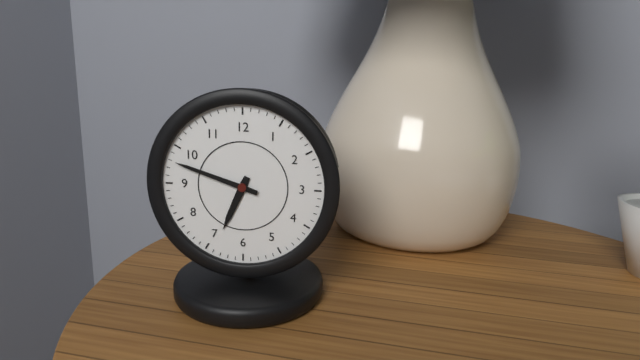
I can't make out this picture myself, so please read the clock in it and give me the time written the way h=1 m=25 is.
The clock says h=6 m=48
